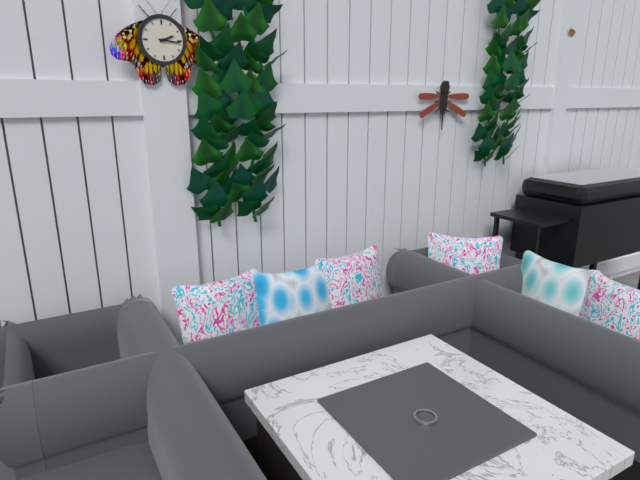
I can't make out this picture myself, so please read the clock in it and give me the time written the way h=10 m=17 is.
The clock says h=2 m=16
